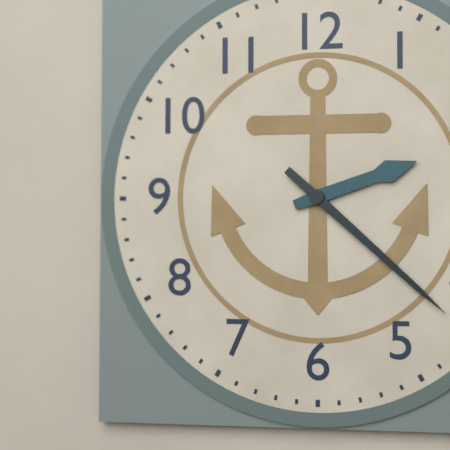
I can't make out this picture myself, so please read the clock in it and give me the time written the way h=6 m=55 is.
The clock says h=2 m=22
